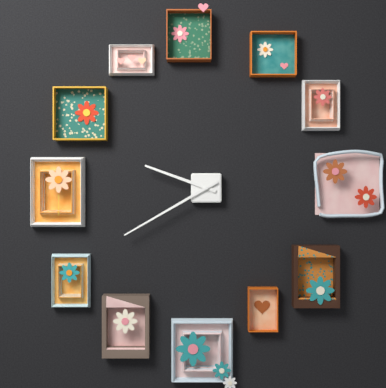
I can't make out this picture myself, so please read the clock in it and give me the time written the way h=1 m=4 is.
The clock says h=9 m=40
